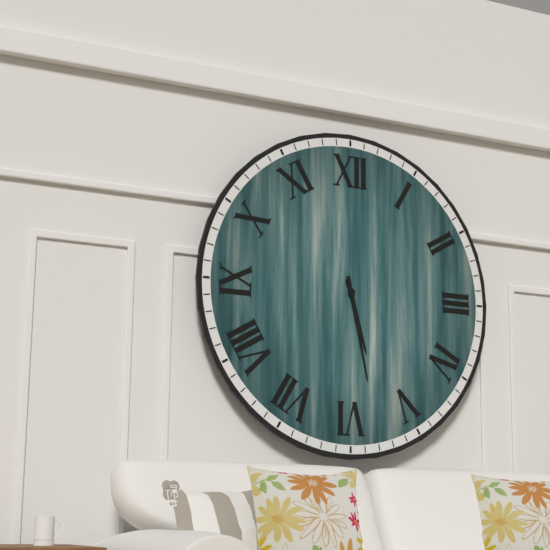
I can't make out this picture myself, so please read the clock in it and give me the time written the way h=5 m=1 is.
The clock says h=5 m=28
